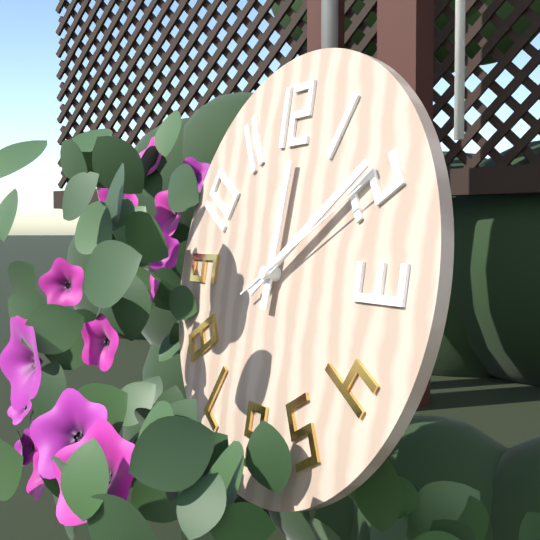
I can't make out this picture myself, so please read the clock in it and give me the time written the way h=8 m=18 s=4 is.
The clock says h=12 m=9 s=10
